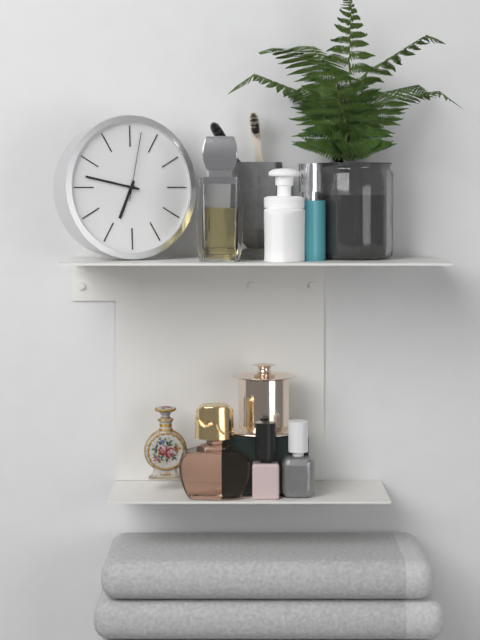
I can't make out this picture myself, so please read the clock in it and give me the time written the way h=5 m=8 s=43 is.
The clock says h=6 m=47 s=2
